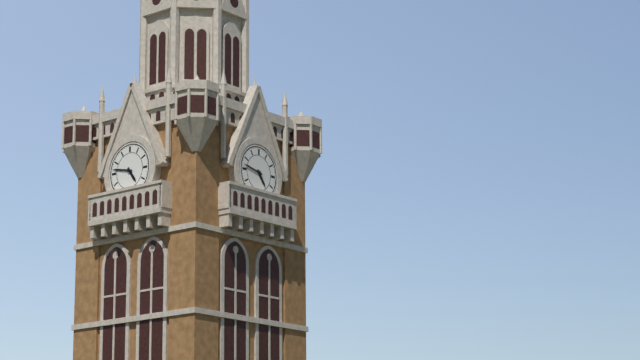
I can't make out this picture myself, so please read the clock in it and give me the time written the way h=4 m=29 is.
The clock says h=4 m=47
